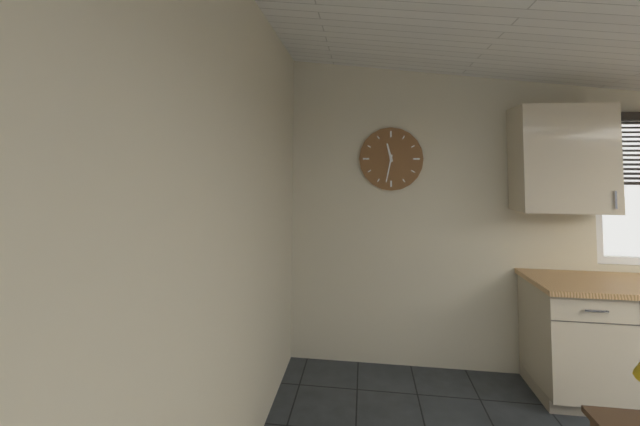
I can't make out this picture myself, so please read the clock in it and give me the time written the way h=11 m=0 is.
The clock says h=11 m=32
